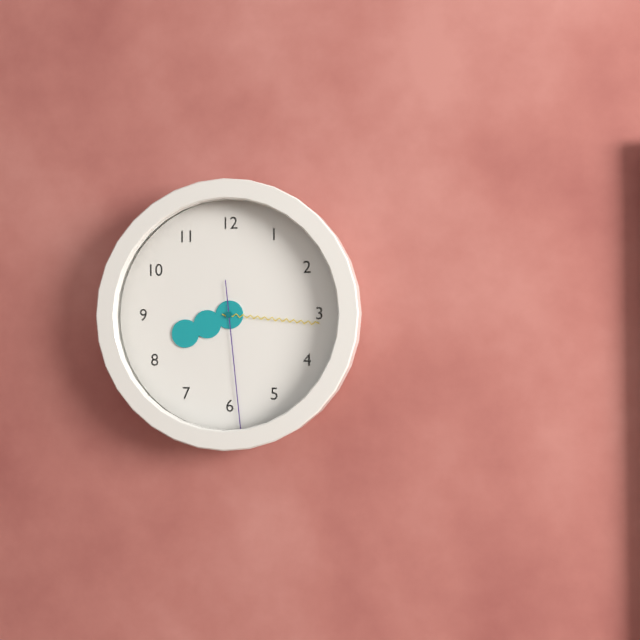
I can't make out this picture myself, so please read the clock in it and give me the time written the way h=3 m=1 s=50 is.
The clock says h=8 m=16 s=29
